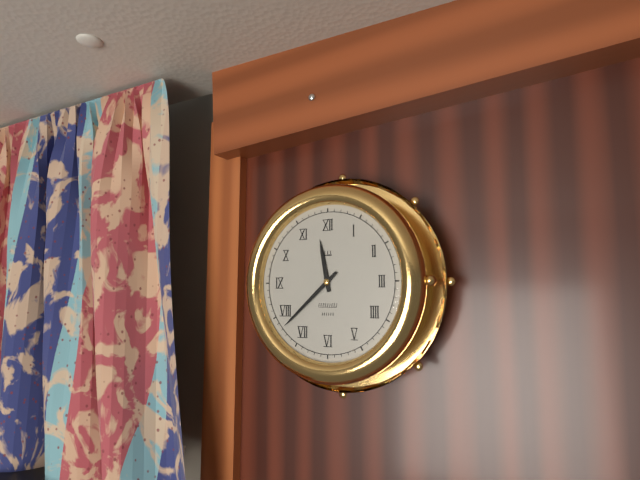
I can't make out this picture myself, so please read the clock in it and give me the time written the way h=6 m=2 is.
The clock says h=11 m=38
